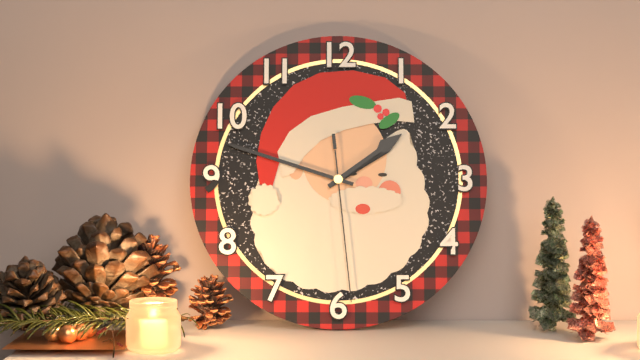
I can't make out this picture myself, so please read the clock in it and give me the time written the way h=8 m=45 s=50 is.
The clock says h=1 m=48 s=29
